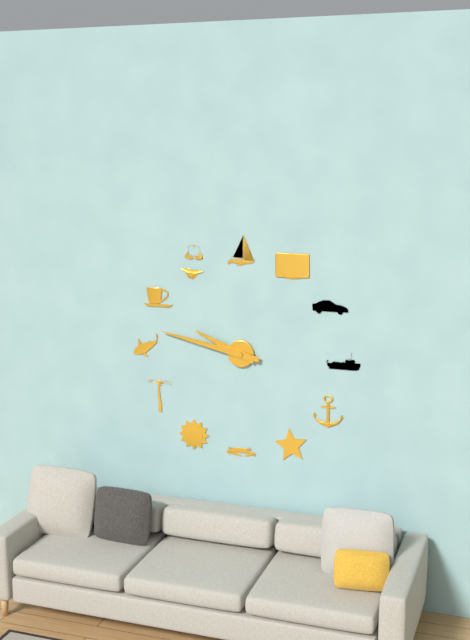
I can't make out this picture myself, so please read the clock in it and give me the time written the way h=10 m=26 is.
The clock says h=9 m=47
